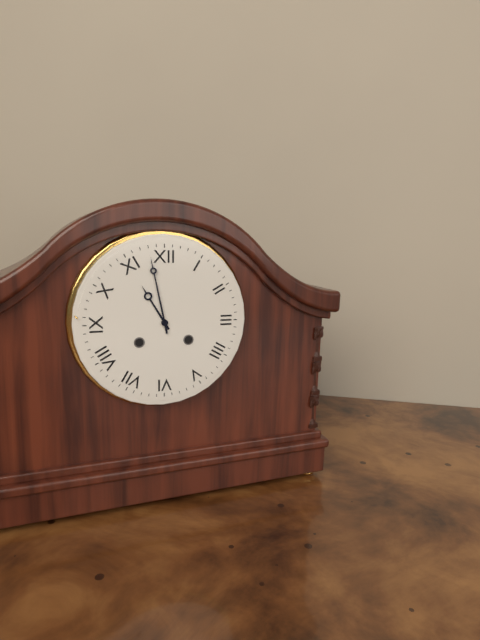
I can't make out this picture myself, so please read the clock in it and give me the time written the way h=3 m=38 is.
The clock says h=10 m=58
